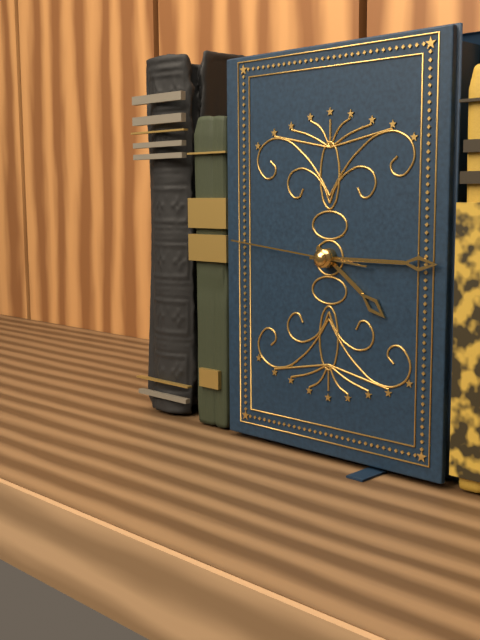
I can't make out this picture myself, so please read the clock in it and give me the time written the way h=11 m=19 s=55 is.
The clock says h=4 m=15 s=46
